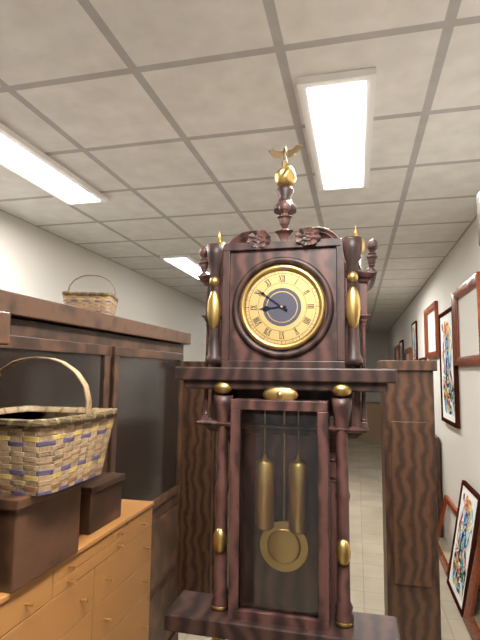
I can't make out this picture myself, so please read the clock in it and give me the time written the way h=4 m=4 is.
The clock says h=8 m=51
